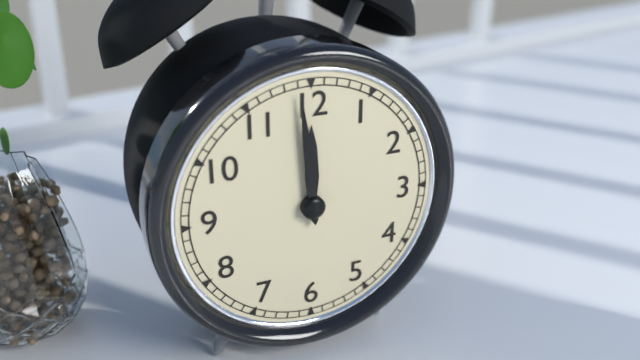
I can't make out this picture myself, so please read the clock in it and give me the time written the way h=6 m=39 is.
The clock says h=11 m=59
